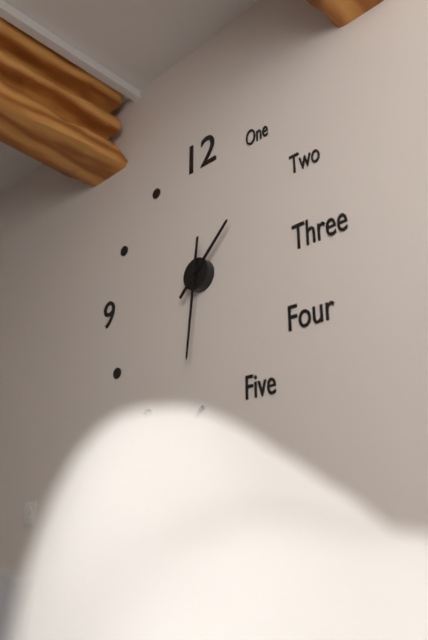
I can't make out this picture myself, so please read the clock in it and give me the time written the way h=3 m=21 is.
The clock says h=1 m=31
